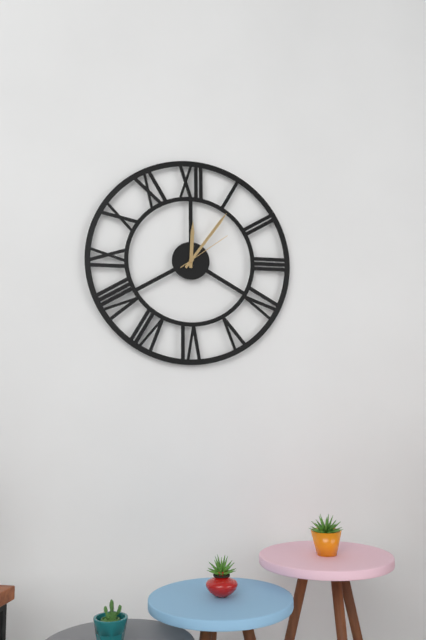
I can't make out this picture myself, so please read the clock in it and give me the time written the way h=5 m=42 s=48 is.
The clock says h=12 m=6 s=9
